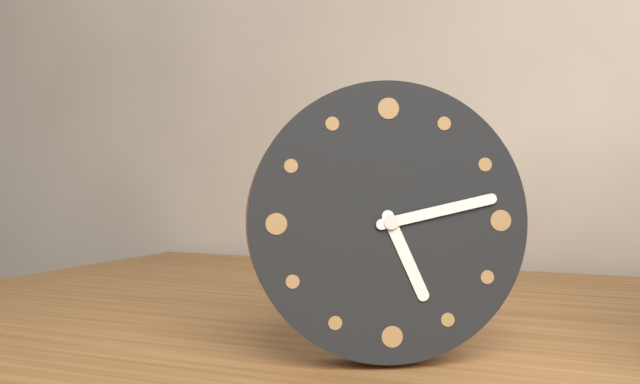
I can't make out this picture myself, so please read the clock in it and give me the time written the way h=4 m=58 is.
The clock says h=5 m=13
